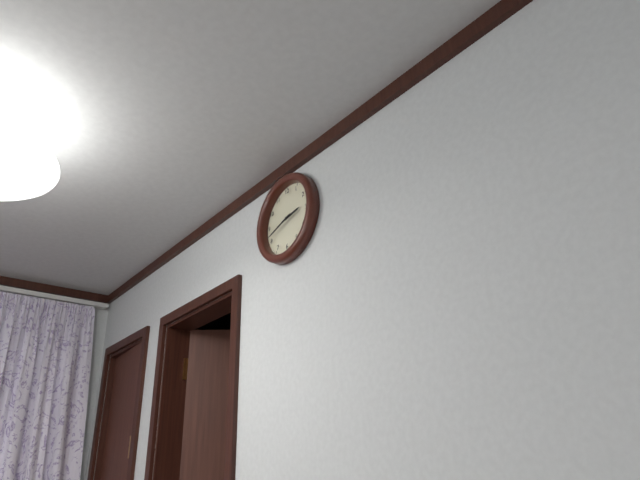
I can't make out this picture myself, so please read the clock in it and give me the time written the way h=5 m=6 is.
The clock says h=2 m=42
